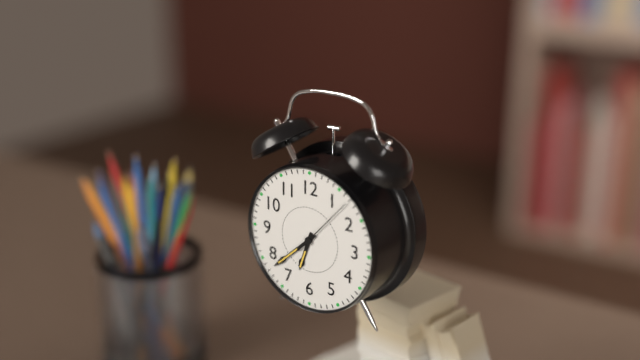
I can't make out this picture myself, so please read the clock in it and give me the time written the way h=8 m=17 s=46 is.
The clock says h=6 m=38 s=7
